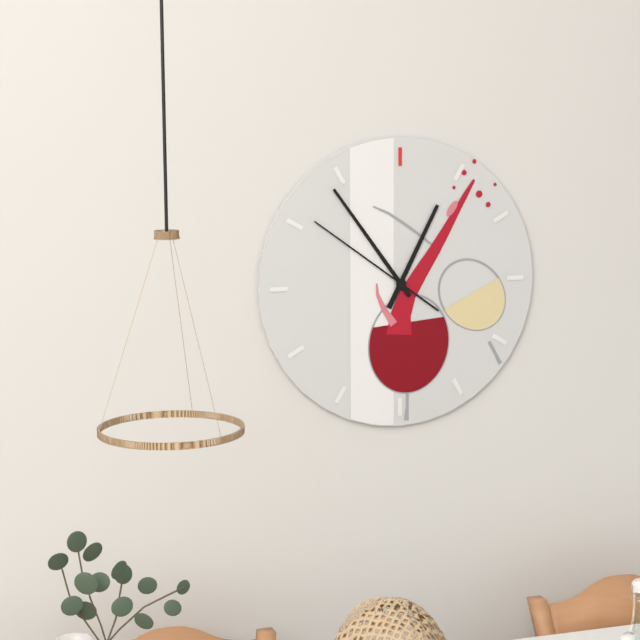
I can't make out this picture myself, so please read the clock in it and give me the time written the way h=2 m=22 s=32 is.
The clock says h=12 m=54 s=51
